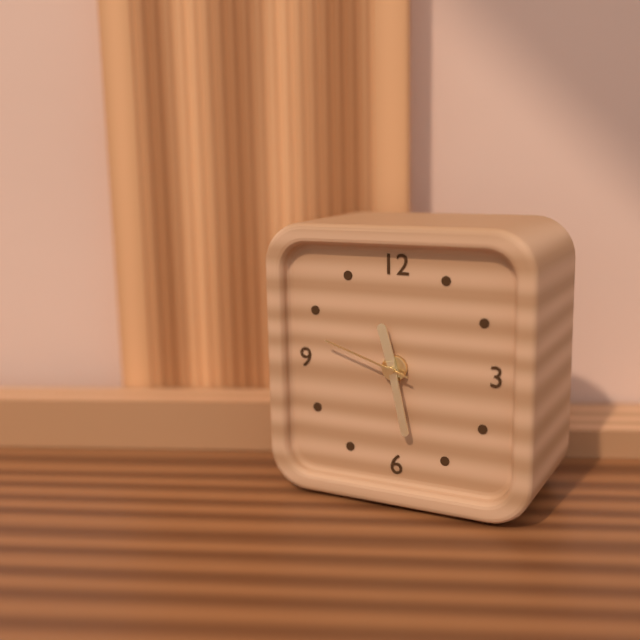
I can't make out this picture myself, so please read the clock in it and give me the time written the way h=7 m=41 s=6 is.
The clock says h=11 m=28 s=48
